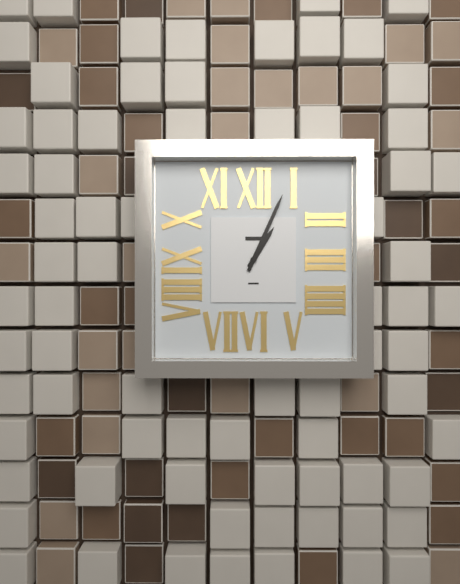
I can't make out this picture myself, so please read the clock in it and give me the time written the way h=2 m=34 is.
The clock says h=1 m=4
